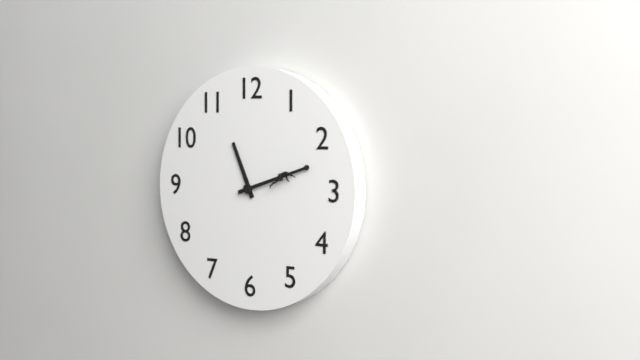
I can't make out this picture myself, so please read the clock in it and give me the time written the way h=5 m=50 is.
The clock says h=11 m=12
